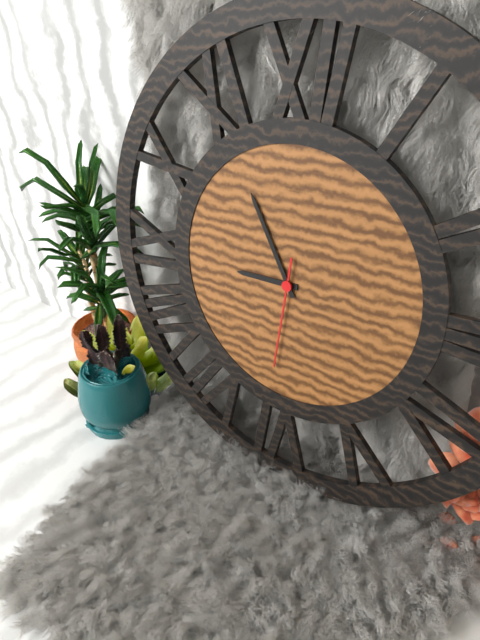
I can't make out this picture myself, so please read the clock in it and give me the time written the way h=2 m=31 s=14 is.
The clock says h=8 m=55 s=31
